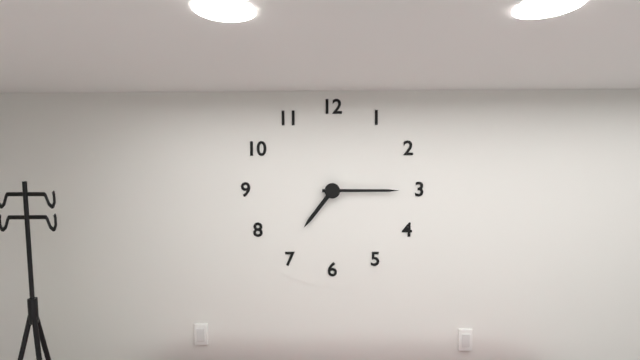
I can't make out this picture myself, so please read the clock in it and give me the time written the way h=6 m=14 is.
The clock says h=7 m=15
